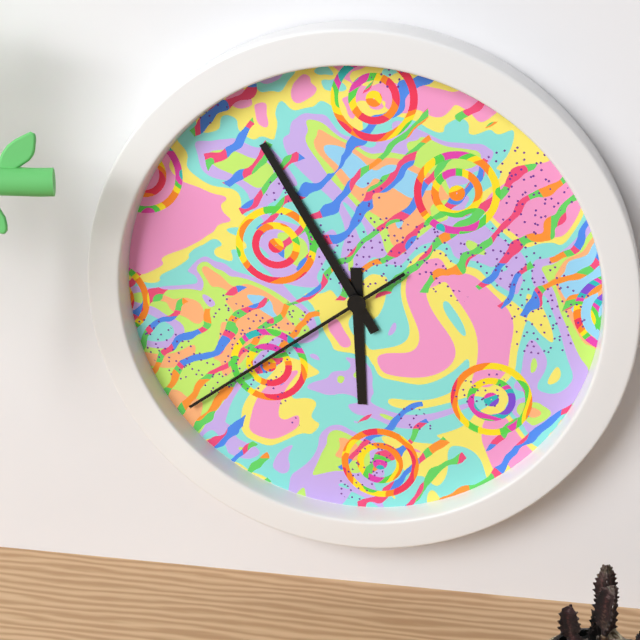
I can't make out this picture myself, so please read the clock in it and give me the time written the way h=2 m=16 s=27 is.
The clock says h=5 m=55 s=39
